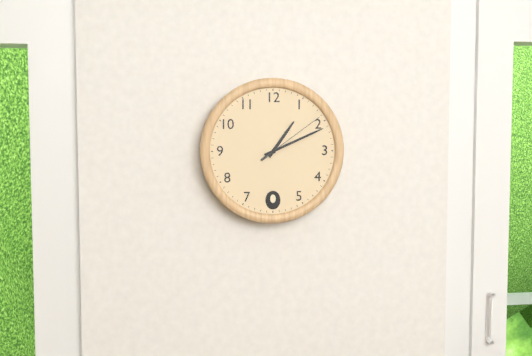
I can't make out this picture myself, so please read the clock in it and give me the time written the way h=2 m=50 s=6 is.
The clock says h=1 m=11 s=9
